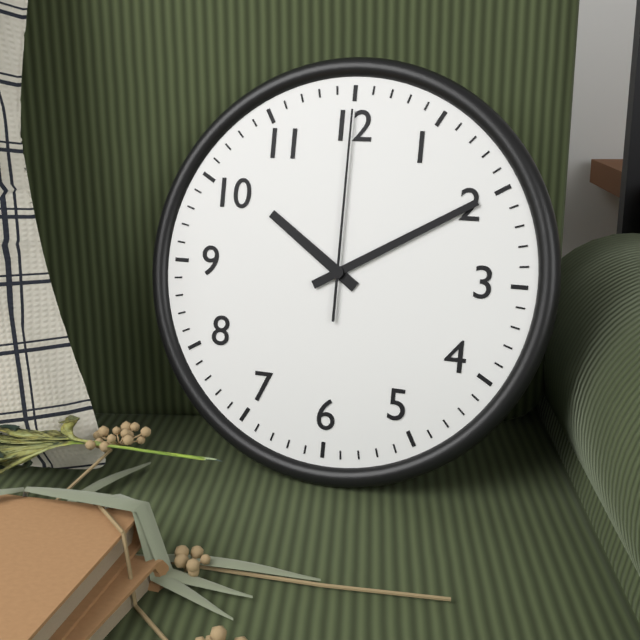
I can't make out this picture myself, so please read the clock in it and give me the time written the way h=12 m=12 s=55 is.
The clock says h=10 m=10 s=0
